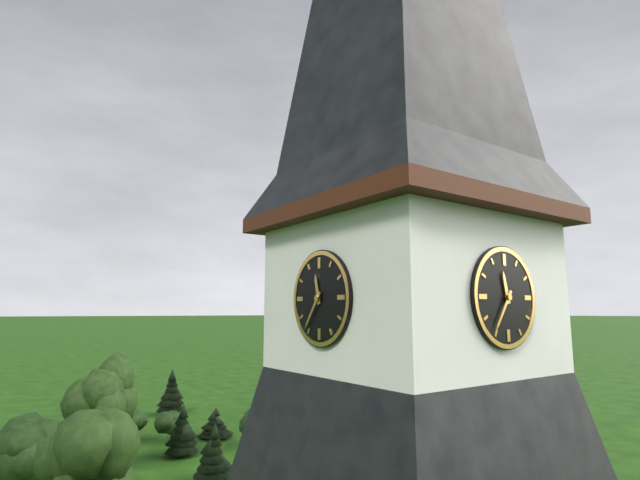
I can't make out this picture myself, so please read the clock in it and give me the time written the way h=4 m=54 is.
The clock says h=11 m=36
